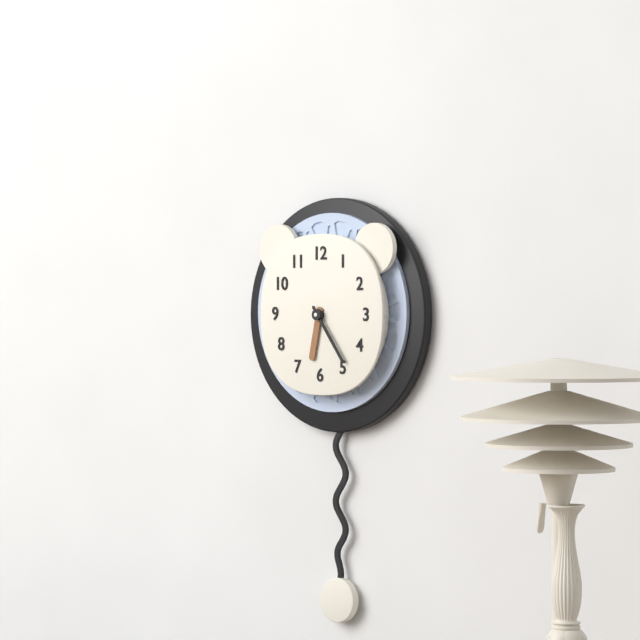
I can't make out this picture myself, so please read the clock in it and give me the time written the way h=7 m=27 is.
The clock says h=6 m=24
